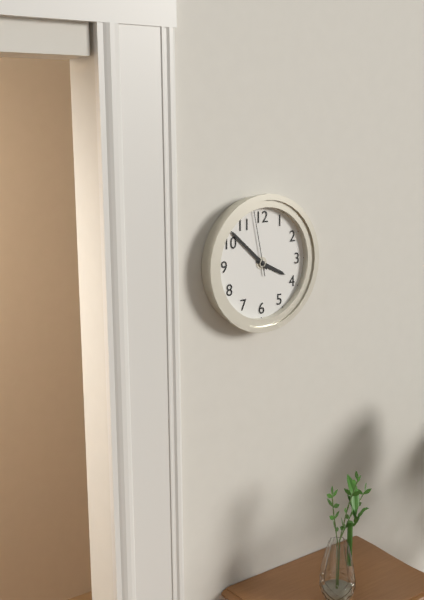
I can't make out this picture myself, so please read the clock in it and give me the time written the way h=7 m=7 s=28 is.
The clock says h=3 m=52 s=58
